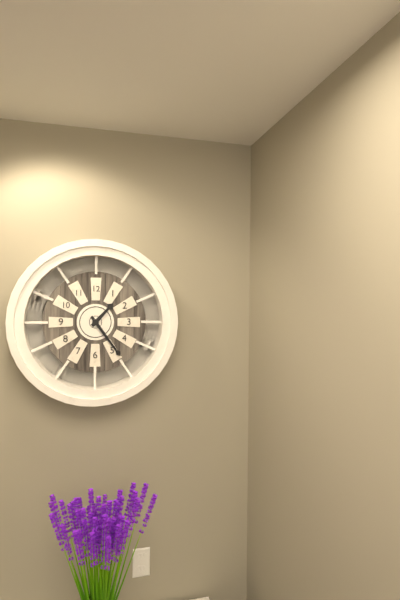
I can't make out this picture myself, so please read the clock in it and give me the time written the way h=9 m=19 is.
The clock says h=1 m=24
